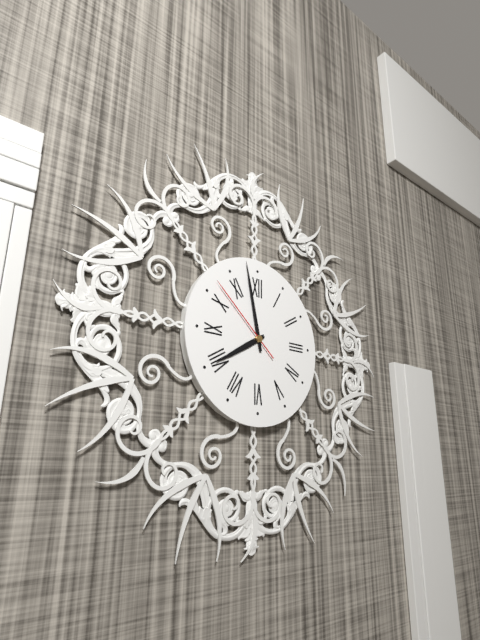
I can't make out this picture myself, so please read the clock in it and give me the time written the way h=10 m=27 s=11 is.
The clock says h=7 m=58 s=52
